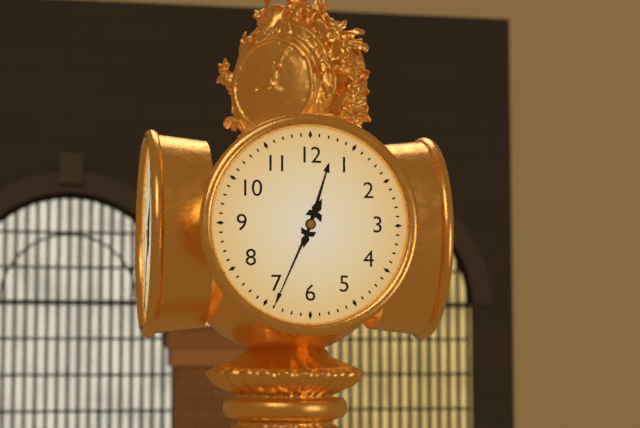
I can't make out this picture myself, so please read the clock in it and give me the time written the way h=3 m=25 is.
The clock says h=12 m=34
